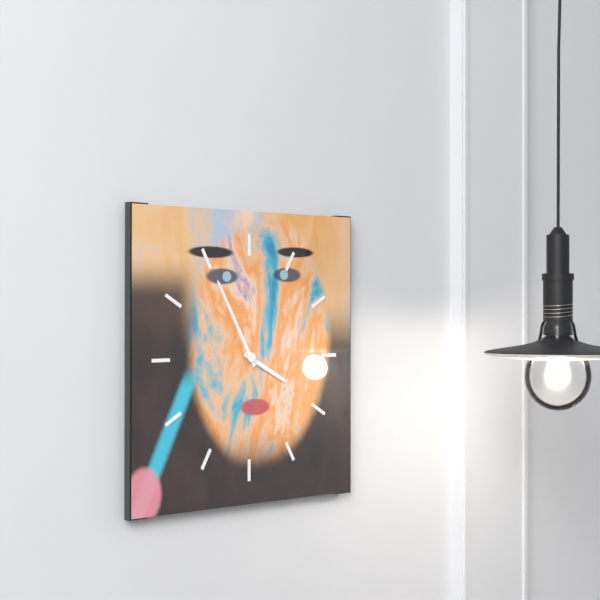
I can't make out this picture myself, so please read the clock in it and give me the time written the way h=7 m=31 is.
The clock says h=3 m=55
